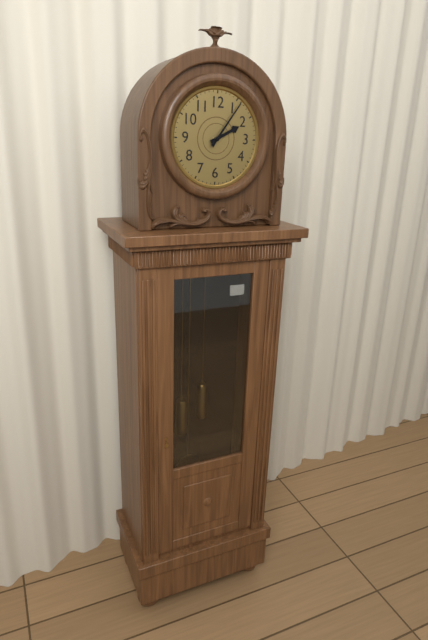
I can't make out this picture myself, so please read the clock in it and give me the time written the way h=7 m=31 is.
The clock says h=2 m=6
